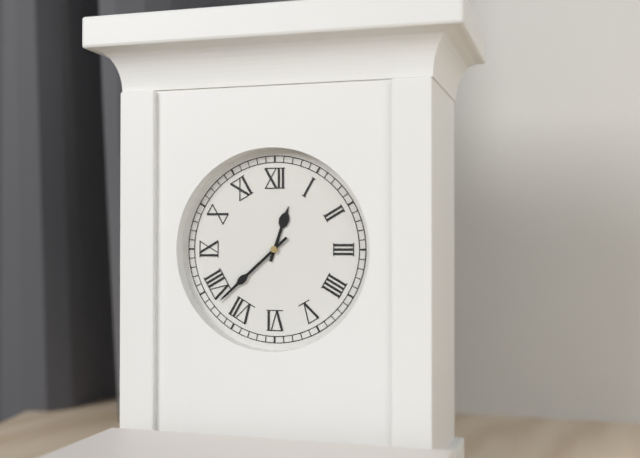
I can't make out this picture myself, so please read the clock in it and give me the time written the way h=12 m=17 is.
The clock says h=12 m=38
